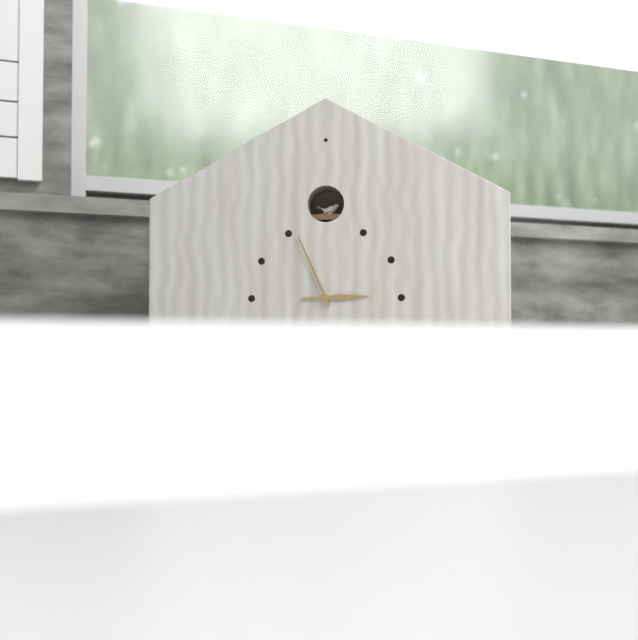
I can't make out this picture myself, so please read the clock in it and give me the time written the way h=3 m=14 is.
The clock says h=2 m=56
